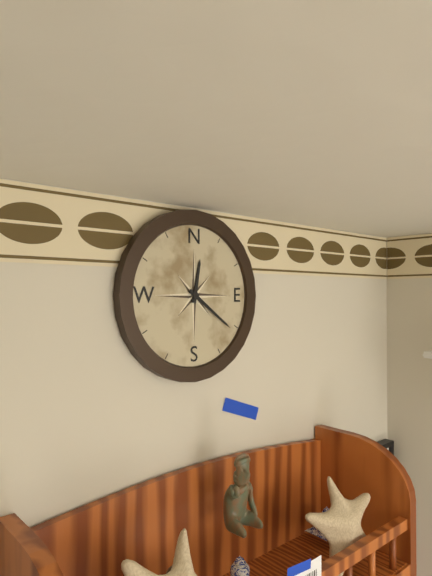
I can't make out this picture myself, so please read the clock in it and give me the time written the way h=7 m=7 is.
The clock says h=12 m=21
